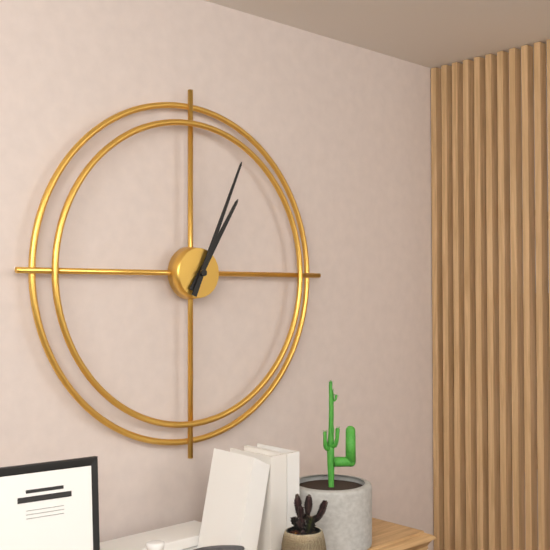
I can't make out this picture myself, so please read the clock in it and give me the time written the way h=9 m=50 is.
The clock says h=1 m=4
